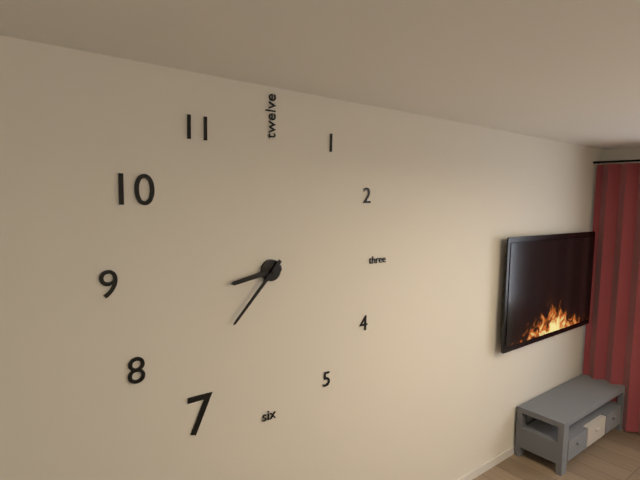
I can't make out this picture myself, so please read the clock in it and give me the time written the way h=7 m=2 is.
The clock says h=8 m=37
